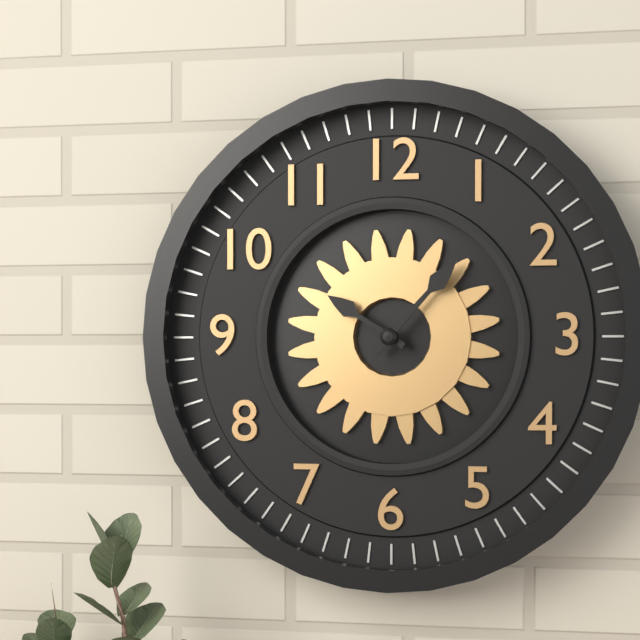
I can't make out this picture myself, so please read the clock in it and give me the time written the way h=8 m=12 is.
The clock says h=10 m=7
